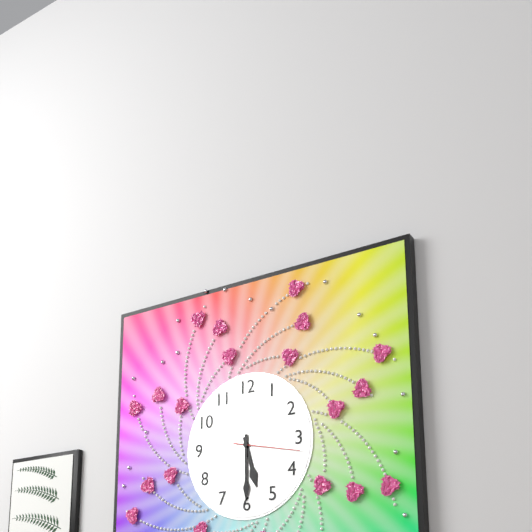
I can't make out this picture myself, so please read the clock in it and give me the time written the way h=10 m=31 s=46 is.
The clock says h=5 m=30 s=17
